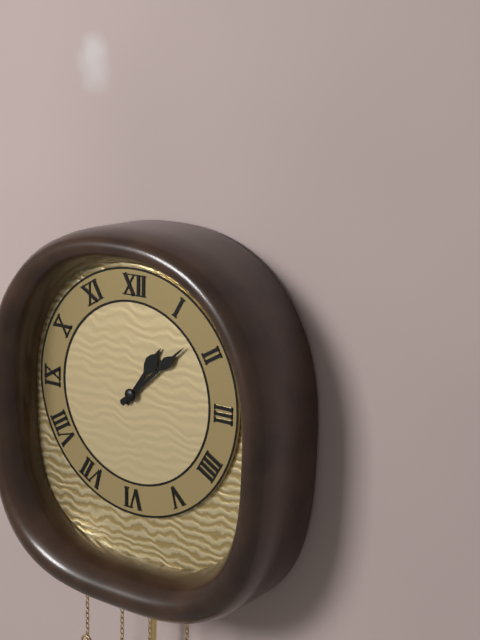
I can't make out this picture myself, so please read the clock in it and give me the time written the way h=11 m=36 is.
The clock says h=1 m=8
